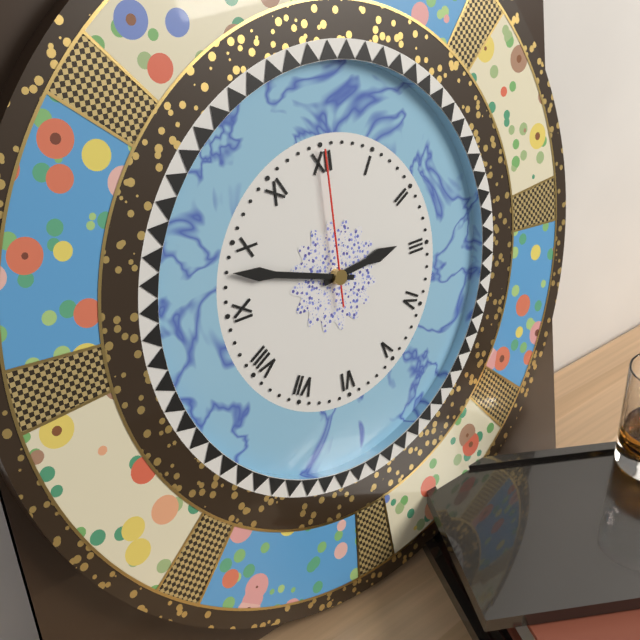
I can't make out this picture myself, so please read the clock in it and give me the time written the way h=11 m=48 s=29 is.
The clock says h=2 m=48 s=0
